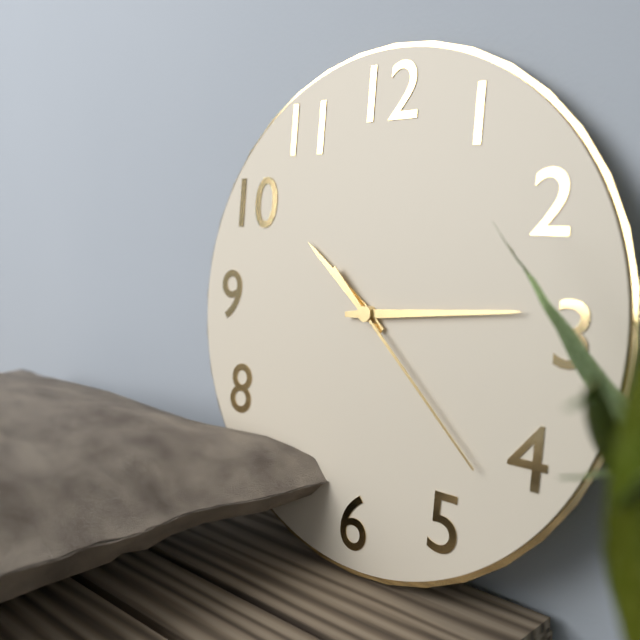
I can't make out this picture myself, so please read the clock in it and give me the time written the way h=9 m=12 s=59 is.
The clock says h=10 m=14 s=22
